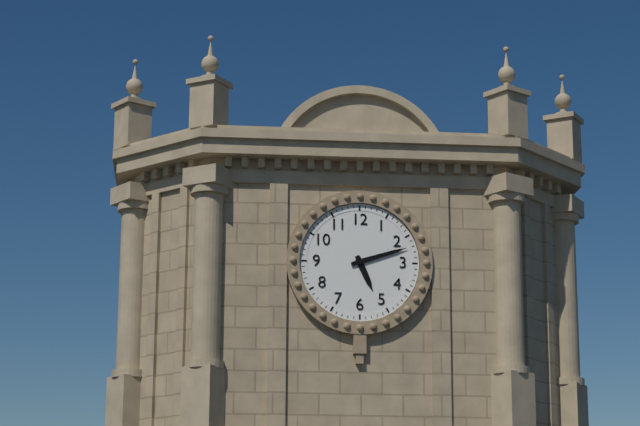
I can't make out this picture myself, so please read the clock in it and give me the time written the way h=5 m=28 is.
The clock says h=5 m=12
